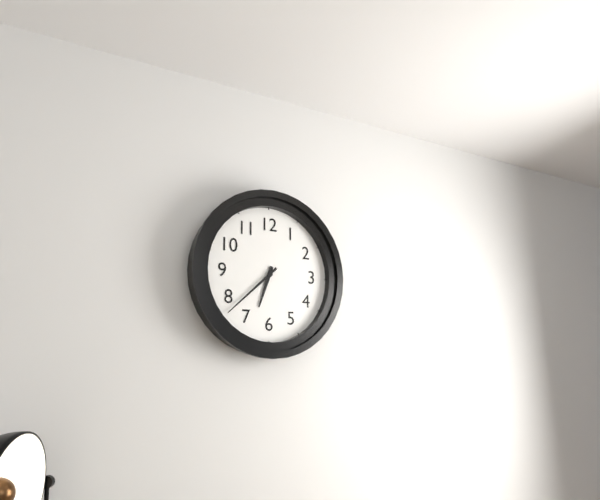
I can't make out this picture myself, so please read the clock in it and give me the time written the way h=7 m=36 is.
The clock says h=6 m=38
